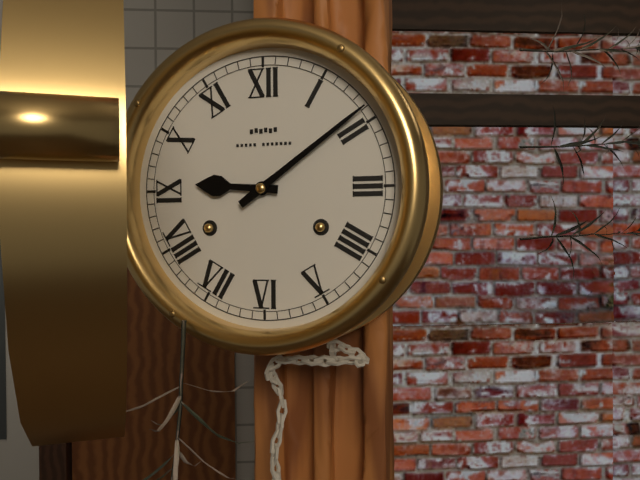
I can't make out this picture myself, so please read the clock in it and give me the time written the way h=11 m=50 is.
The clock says h=9 m=9
